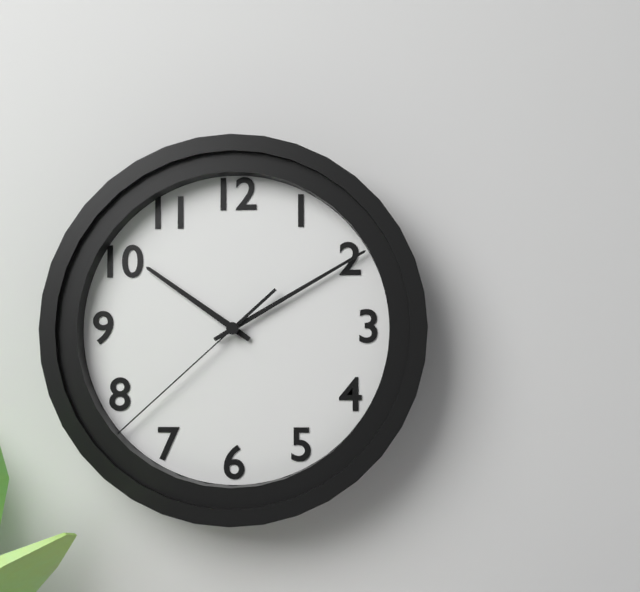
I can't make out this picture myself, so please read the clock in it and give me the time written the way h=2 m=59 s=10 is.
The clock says h=10 m=10 s=38
